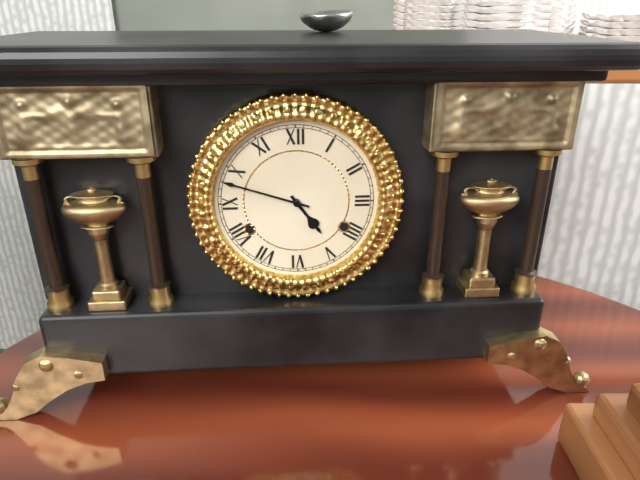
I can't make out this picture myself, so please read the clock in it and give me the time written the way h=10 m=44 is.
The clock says h=4 m=48
